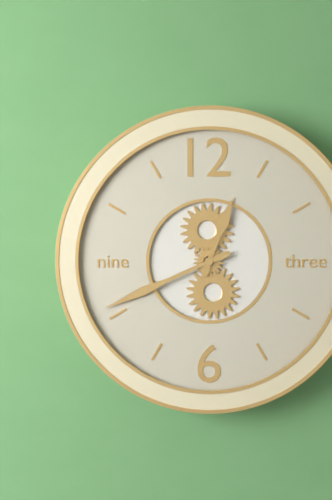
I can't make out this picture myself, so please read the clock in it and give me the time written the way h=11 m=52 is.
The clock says h=12 m=41
